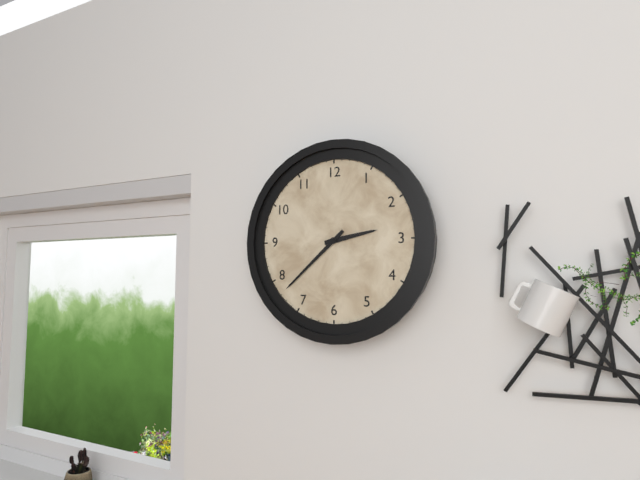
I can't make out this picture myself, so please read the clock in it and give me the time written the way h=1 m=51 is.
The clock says h=2 m=38
